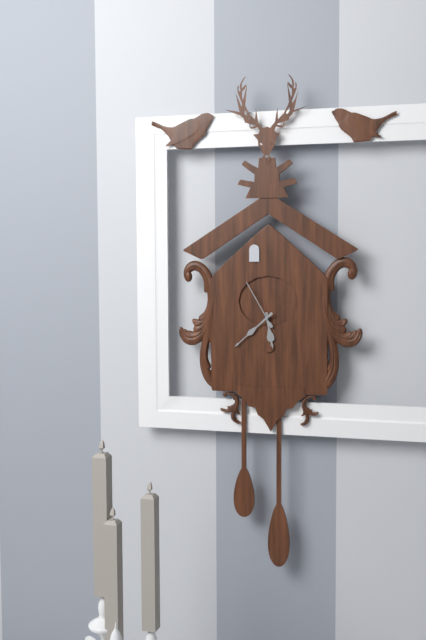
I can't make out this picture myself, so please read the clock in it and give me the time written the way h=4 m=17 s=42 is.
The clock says h=5 m=38 s=55
